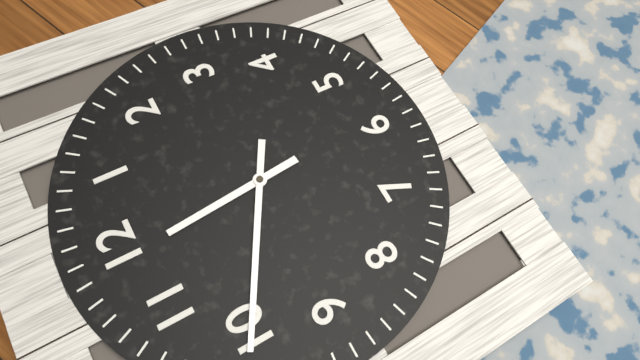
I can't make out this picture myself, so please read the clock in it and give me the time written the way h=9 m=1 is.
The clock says h=11 m=50
